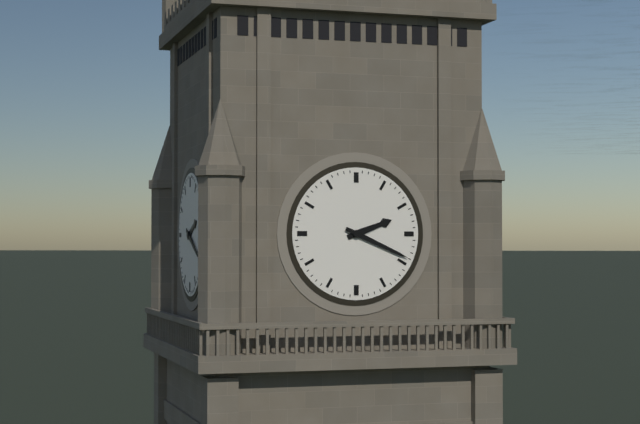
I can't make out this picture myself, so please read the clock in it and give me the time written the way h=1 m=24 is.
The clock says h=2 m=19
